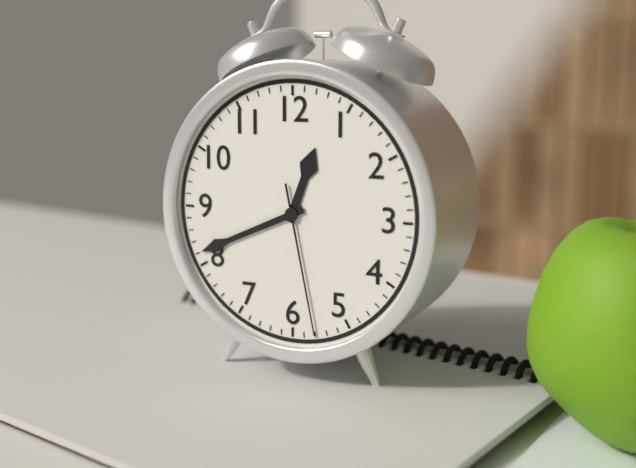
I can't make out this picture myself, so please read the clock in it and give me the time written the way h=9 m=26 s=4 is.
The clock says h=12 m=41 s=28
